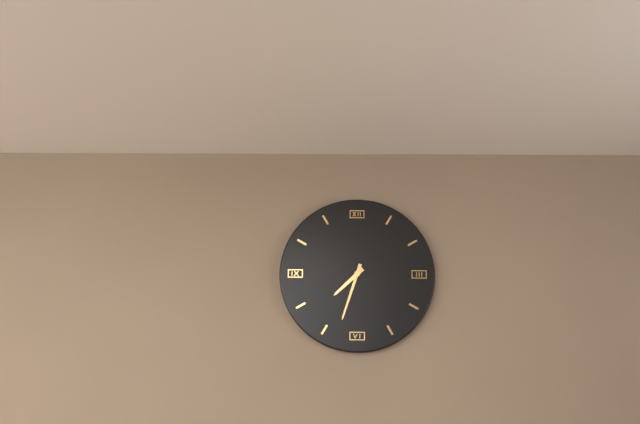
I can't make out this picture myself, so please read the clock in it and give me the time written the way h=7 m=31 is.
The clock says h=7 m=33
